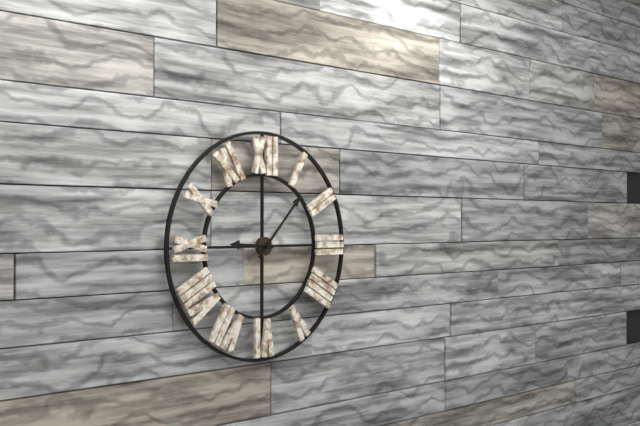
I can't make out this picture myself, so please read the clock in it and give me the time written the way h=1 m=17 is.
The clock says h=9 m=7
